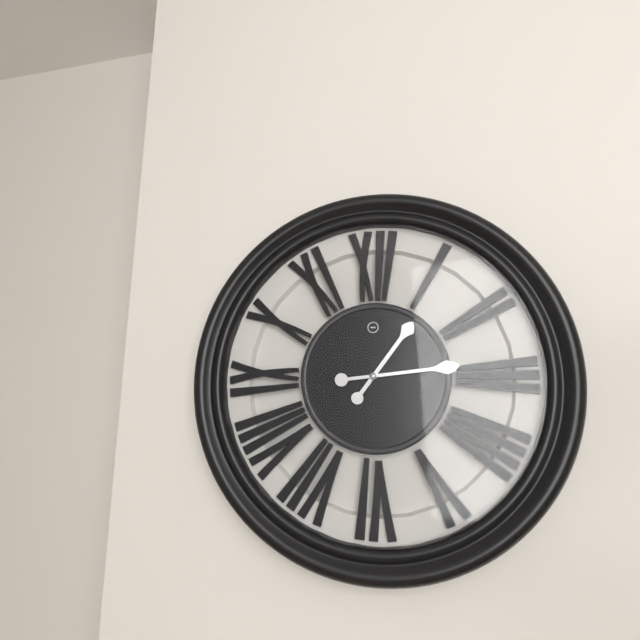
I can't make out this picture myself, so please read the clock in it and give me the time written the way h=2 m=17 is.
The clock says h=1 m=14
